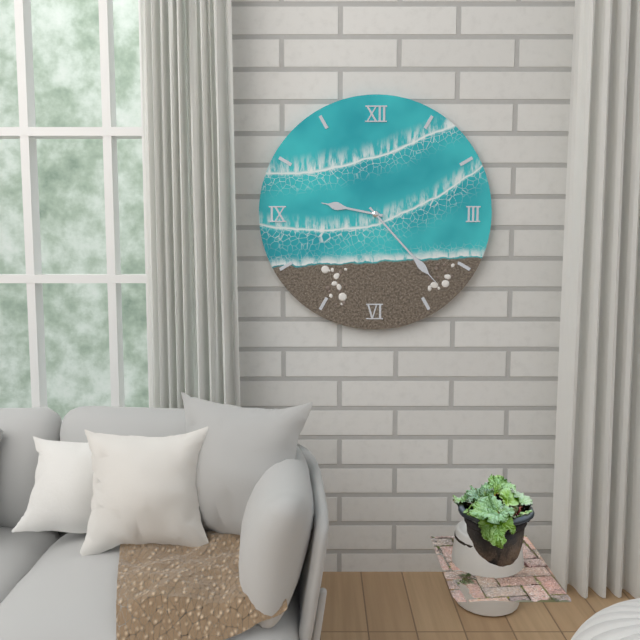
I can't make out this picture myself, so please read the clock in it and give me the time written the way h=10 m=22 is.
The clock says h=9 m=23
